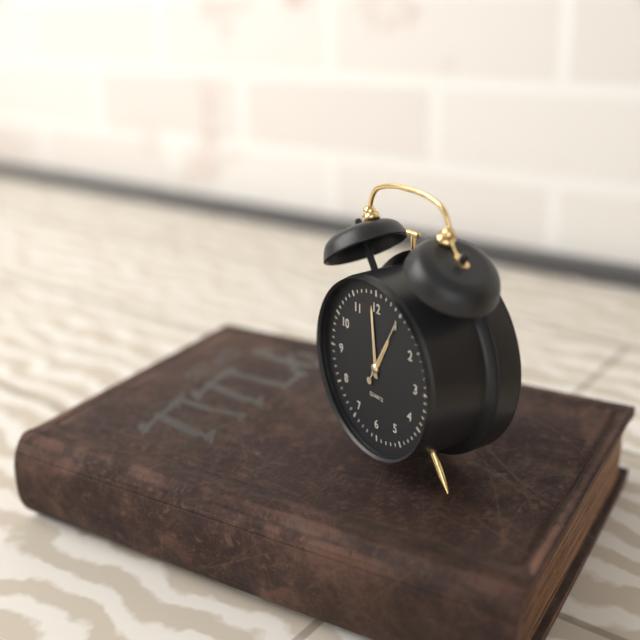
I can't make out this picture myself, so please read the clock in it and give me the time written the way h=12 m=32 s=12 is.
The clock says h=12 m=59 s=5
